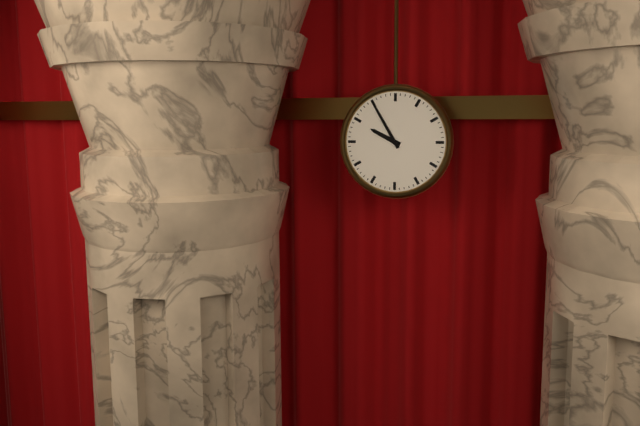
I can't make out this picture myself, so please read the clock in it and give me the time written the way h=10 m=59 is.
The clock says h=9 m=55
